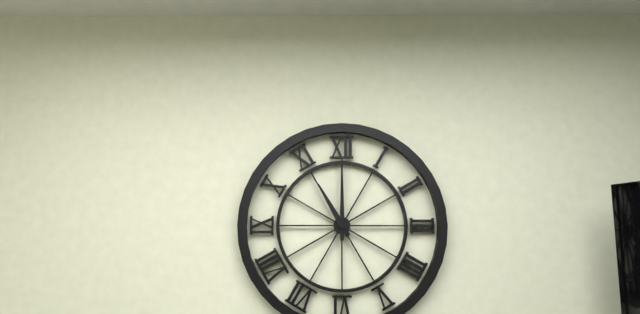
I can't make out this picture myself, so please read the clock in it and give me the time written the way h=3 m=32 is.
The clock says h=11 m=0
